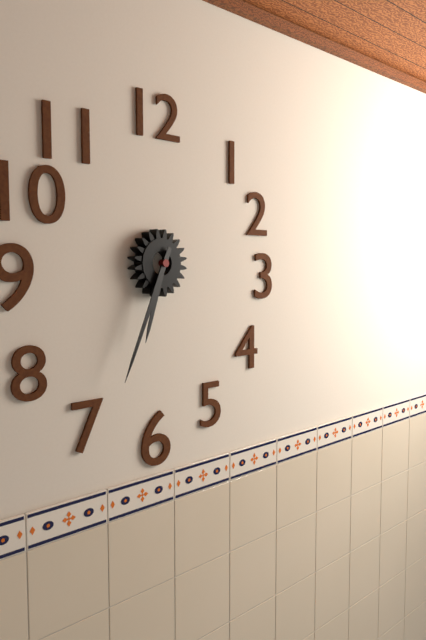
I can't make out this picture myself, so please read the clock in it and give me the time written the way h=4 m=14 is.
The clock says h=6 m=34
